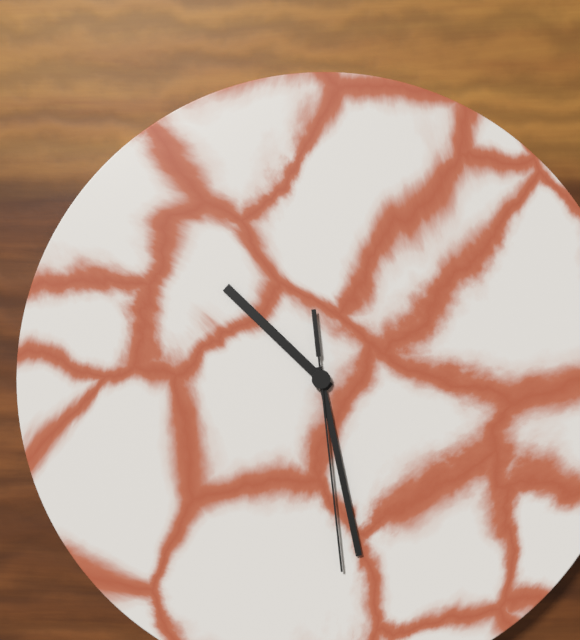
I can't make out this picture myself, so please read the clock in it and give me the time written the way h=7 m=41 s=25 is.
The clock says h=10 m=28 s=29
